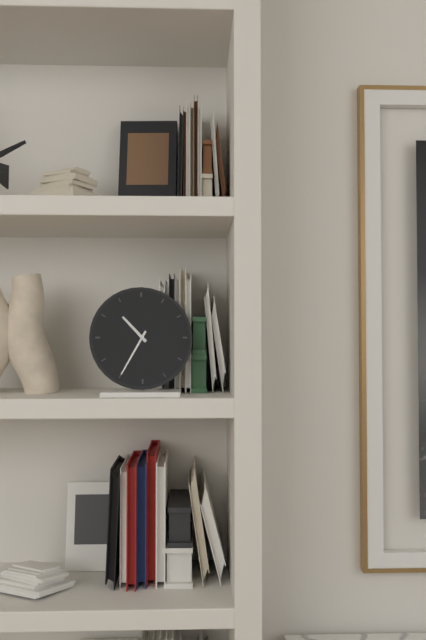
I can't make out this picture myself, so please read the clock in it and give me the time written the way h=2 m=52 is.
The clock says h=10 m=35
